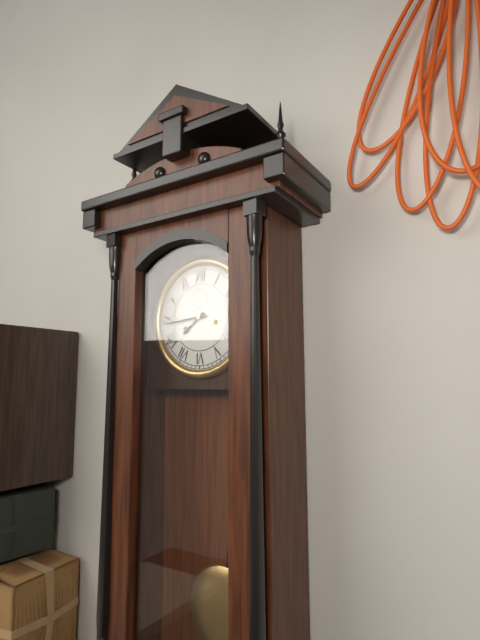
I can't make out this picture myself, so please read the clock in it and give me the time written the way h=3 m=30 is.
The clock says h=7 m=44
